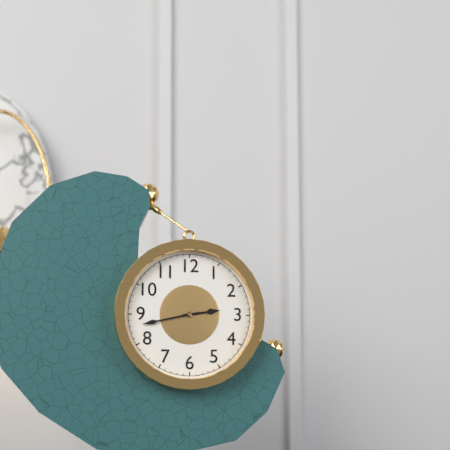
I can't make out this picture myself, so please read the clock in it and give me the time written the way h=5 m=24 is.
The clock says h=2 m=43
